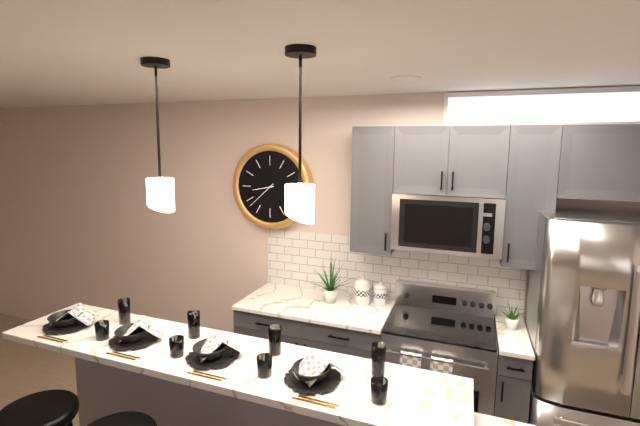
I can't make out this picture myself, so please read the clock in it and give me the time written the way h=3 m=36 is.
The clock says h=8 m=38
